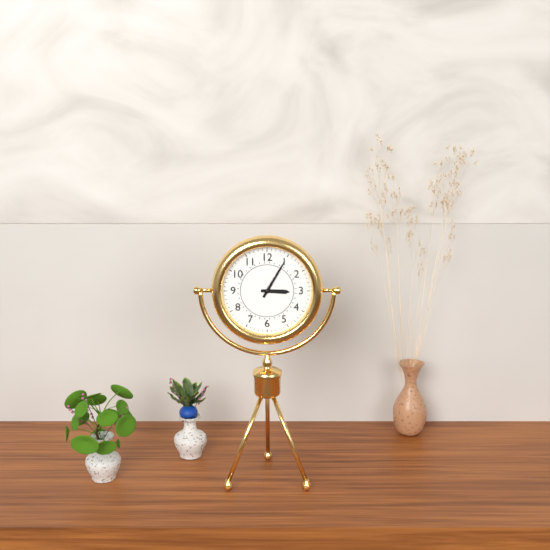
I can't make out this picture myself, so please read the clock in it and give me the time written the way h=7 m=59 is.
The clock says h=3 m=5
